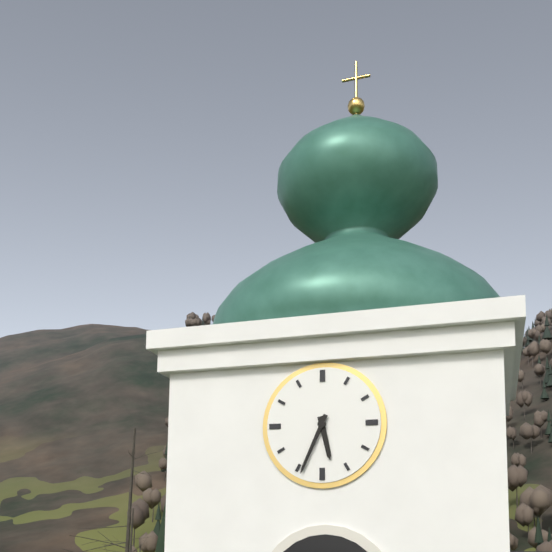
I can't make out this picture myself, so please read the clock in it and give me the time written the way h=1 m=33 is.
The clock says h=5 m=34
